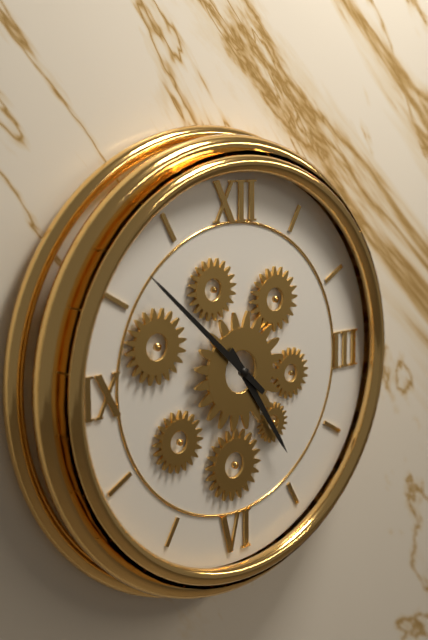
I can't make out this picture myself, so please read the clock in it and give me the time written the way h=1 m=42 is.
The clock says h=4 m=52
